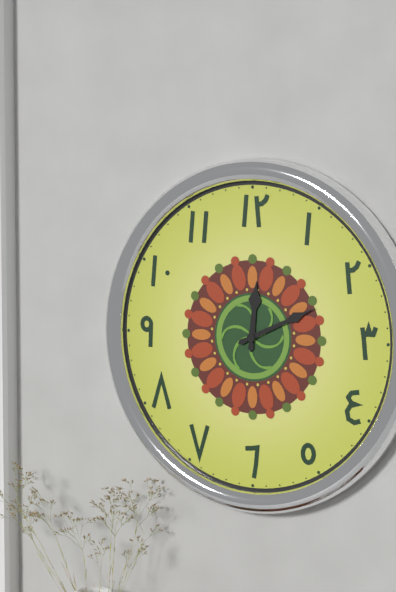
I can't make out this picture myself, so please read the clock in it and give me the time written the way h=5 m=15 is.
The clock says h=12 m=11
